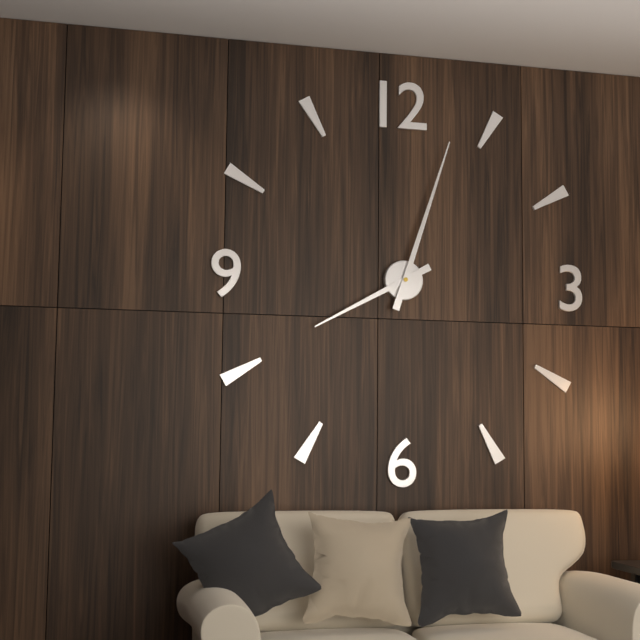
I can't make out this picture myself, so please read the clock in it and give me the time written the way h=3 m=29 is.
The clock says h=8 m=3
